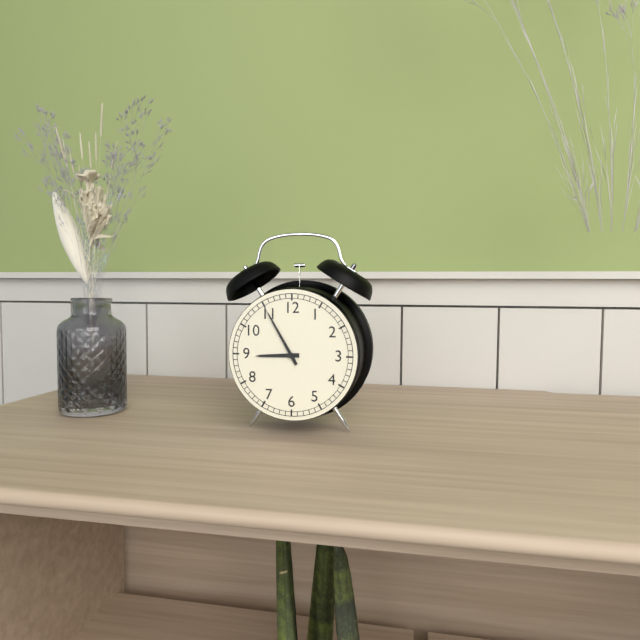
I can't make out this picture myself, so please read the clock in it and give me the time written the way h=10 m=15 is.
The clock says h=8 m=55
